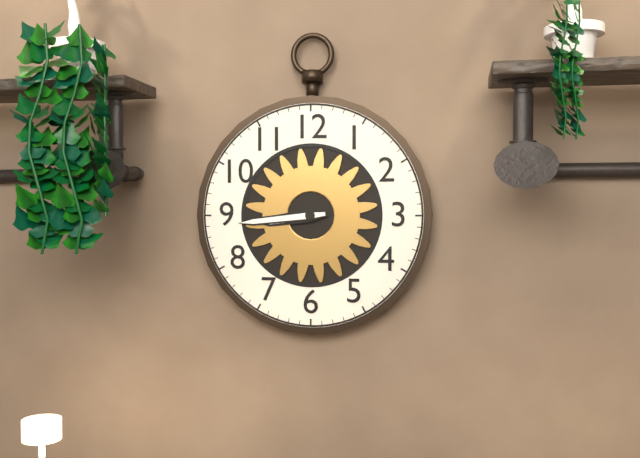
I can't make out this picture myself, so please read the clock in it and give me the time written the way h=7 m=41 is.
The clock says h=8 m=44
